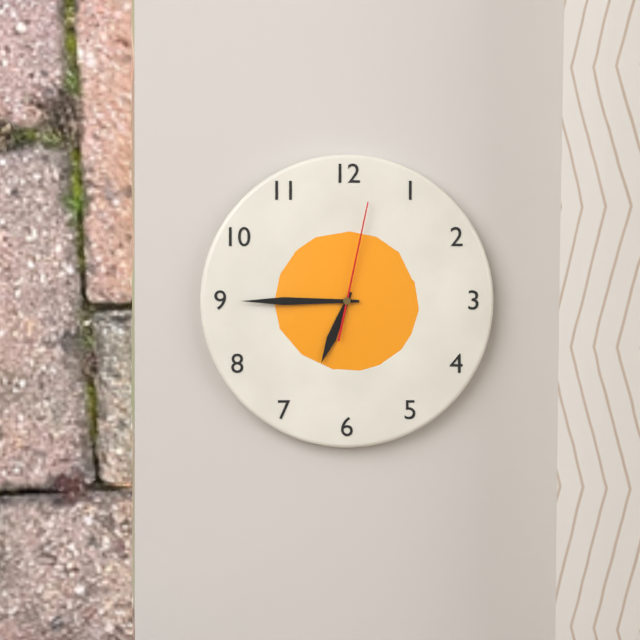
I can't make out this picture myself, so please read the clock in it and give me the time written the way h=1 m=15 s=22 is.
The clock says h=6 m=45 s=2
